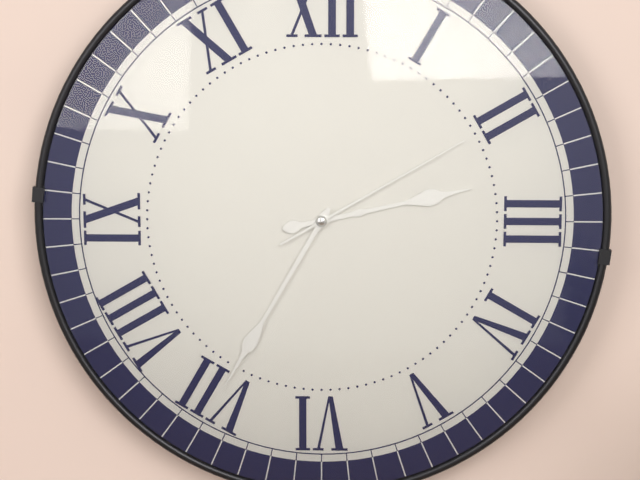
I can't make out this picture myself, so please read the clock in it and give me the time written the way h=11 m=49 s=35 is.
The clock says h=2 m=35 s=10
